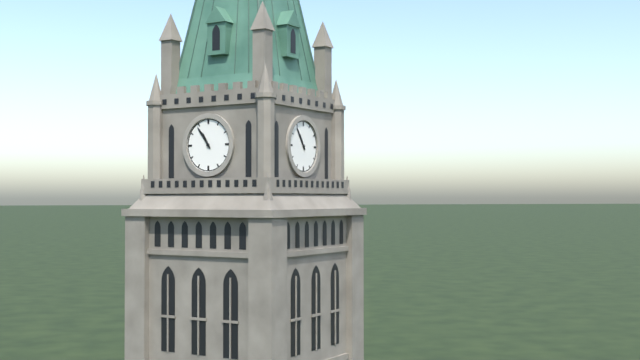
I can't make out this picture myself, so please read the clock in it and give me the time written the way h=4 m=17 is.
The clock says h=10 m=54
